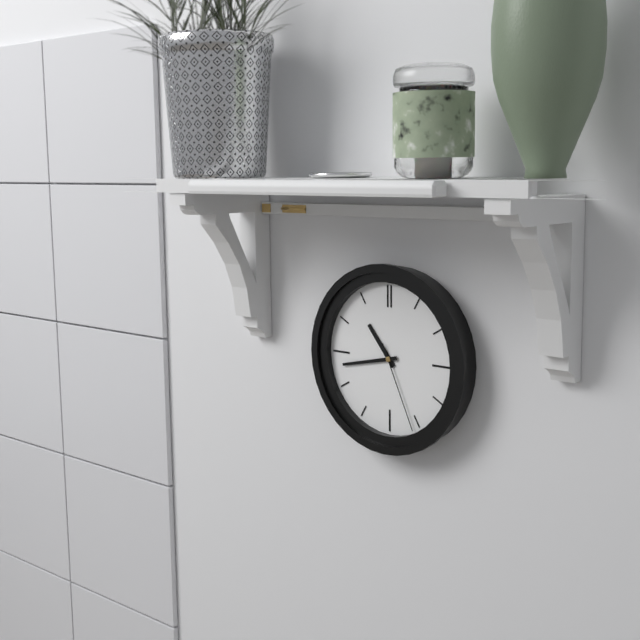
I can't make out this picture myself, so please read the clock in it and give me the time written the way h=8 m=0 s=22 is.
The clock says h=10 m=43 s=26
